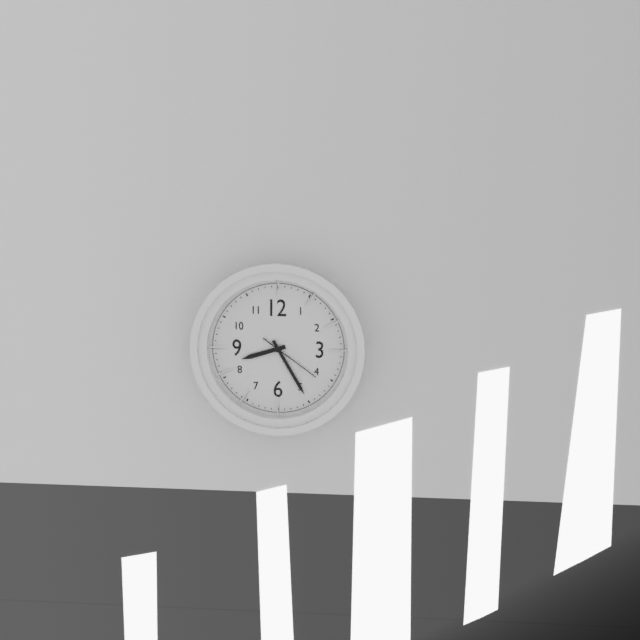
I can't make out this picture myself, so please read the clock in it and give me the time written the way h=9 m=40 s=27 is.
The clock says h=8 m=25 s=21
